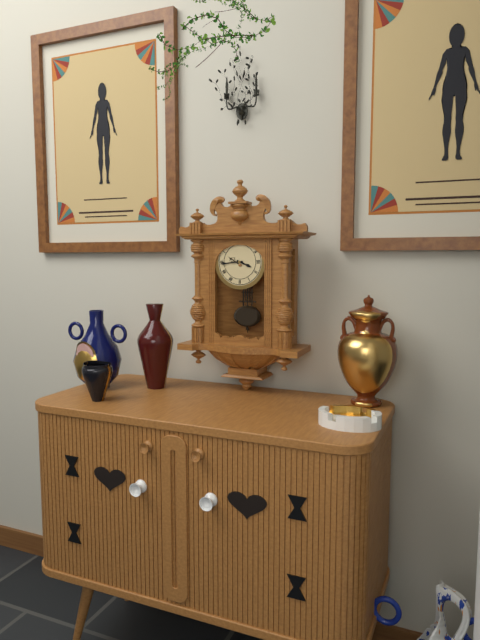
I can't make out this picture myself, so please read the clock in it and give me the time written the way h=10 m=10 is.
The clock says h=3 m=44
